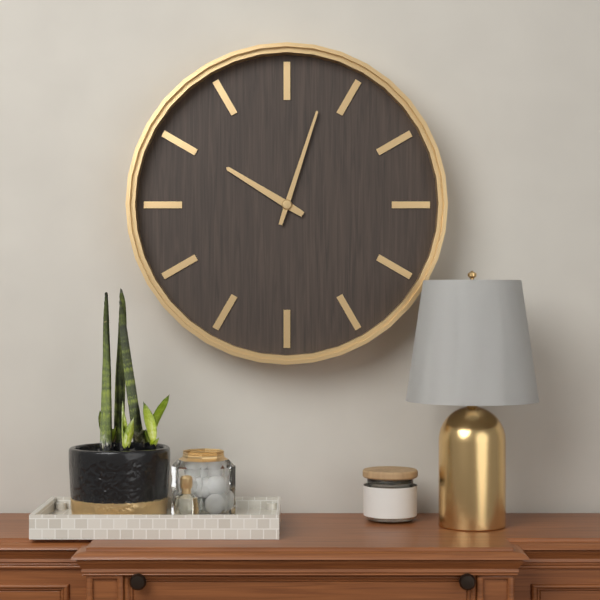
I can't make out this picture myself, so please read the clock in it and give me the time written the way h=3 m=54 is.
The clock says h=10 m=3
